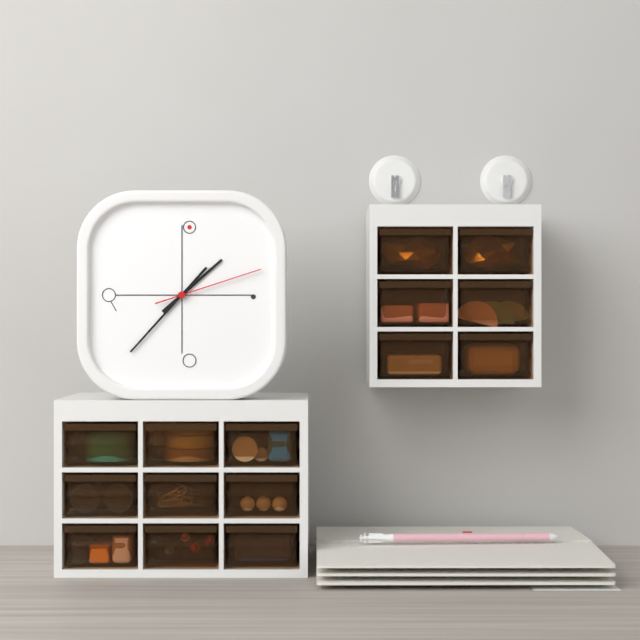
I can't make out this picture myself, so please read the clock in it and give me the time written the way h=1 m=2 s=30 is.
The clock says h=1 m=37 s=12
